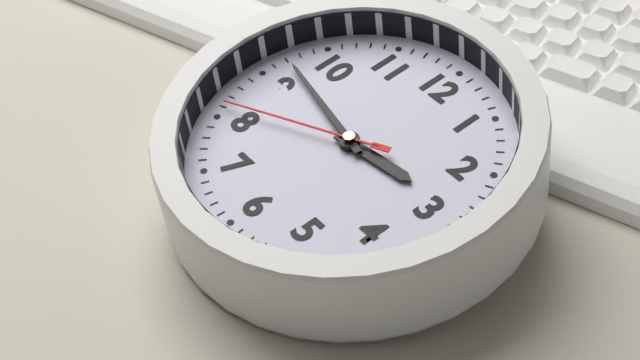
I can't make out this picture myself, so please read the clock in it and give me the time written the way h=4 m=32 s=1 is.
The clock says h=2 m=47 s=41
